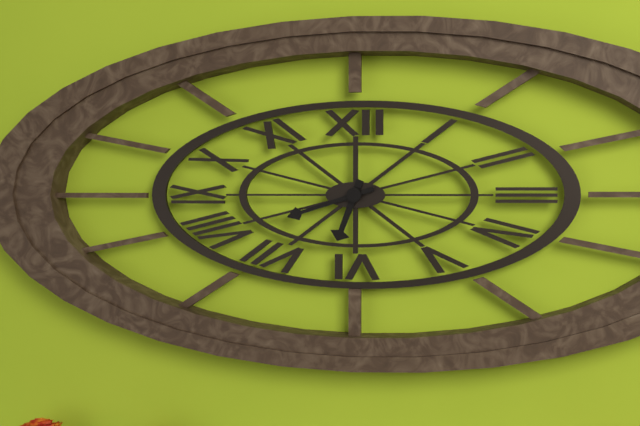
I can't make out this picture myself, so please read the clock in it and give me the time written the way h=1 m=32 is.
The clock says h=6 m=42
